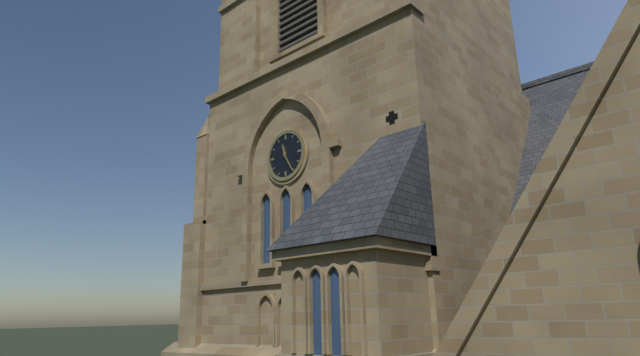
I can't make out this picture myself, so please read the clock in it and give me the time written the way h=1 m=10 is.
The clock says h=11 m=25
